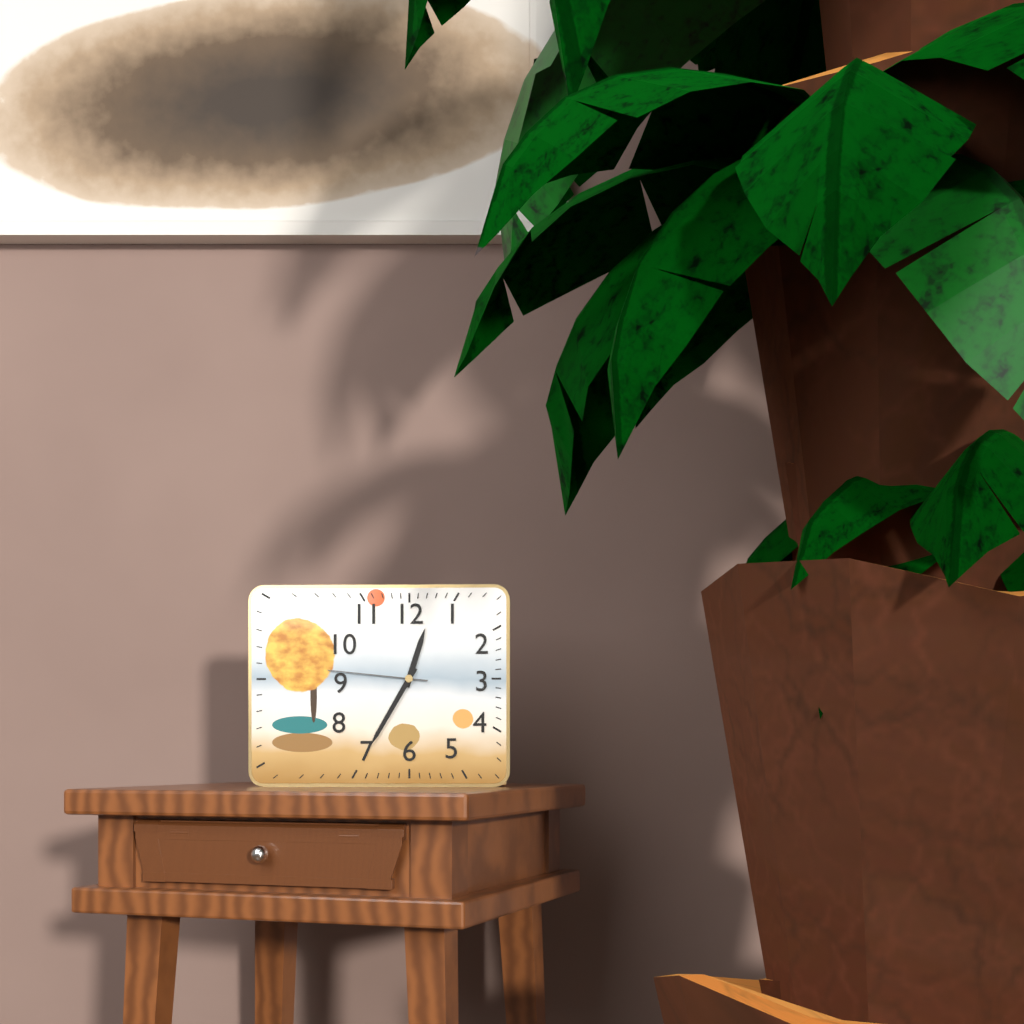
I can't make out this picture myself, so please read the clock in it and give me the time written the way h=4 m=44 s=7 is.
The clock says h=12 m=35 s=46
